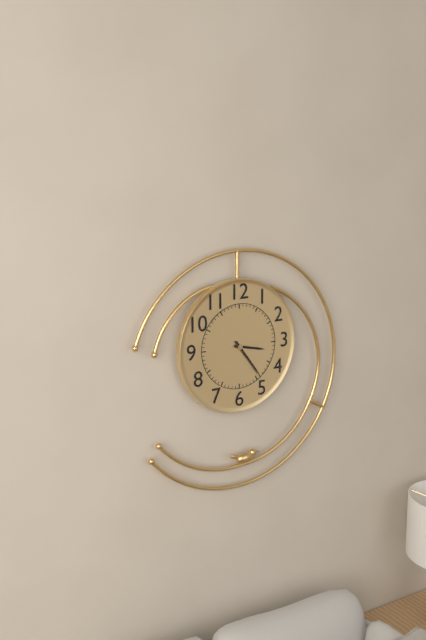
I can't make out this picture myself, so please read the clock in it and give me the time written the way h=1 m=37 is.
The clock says h=3 m=24
